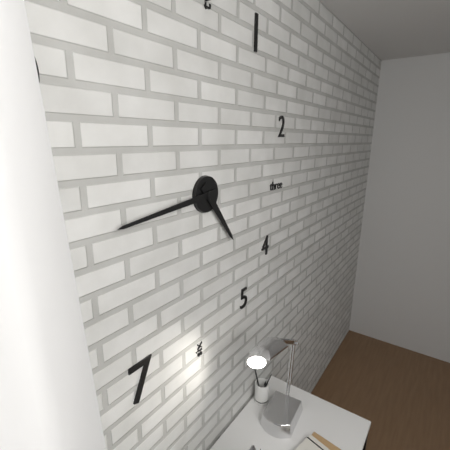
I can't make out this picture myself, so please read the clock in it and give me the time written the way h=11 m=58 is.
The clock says h=4 m=44
